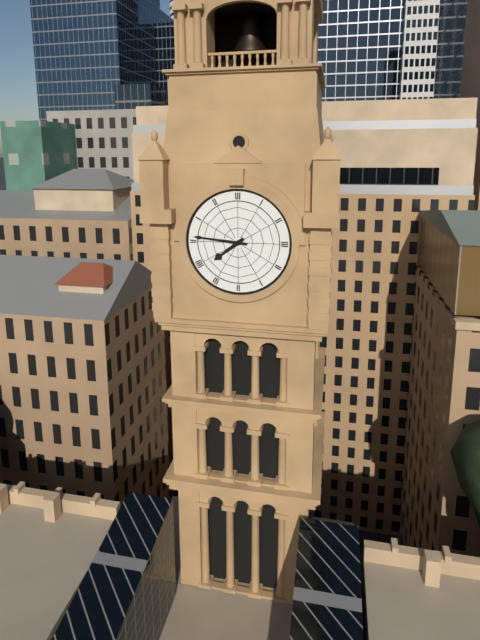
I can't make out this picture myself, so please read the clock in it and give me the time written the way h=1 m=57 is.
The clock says h=7 m=46
